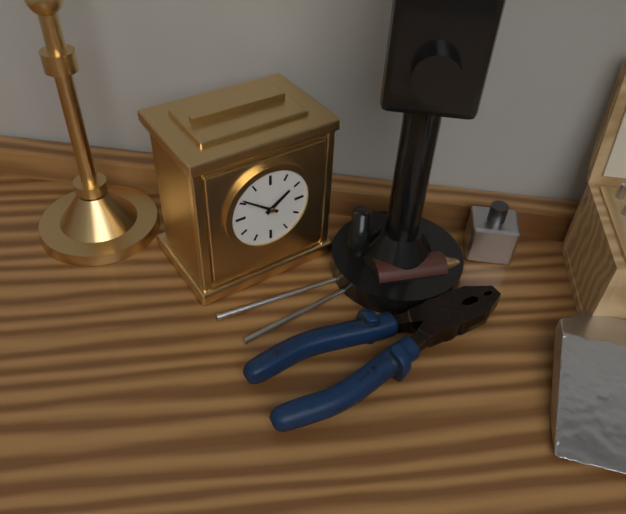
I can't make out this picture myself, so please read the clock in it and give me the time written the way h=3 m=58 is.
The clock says h=1 m=51
